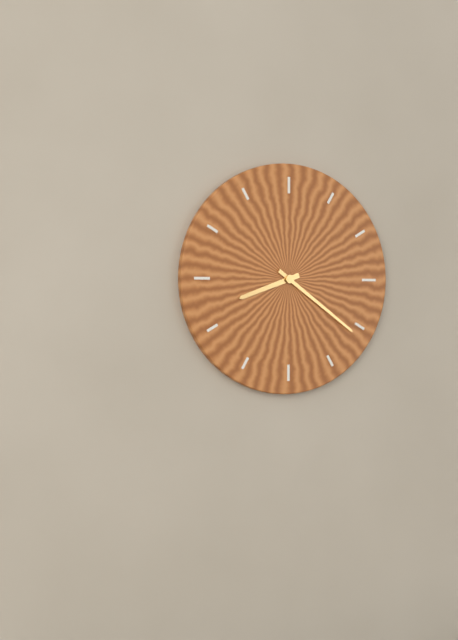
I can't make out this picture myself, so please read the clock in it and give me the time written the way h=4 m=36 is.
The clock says h=8 m=21
